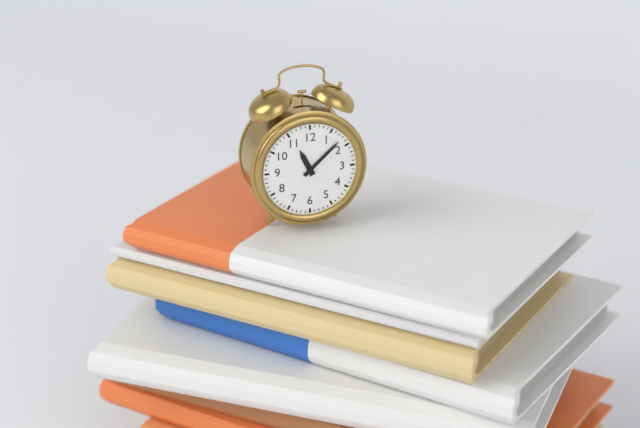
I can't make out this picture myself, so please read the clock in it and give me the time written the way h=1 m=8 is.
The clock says h=11 m=8
